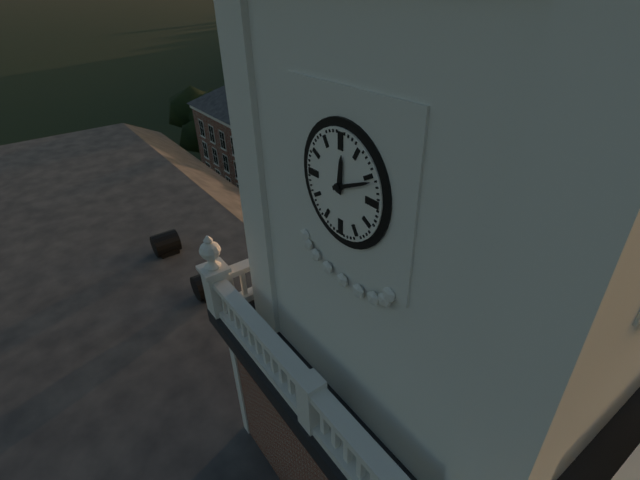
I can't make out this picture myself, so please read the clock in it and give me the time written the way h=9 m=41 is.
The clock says h=12 m=11
